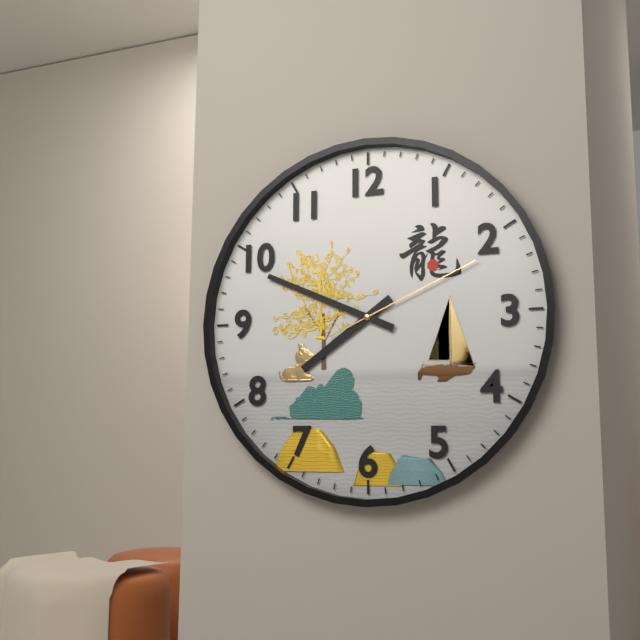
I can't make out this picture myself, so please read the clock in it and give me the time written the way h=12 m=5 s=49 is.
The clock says h=7 m=49 s=11
